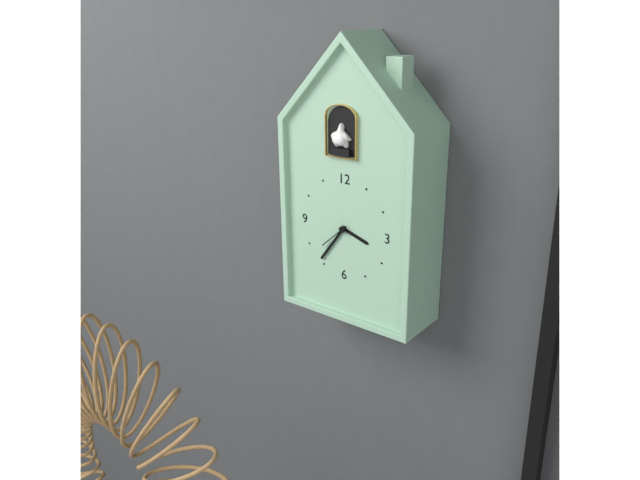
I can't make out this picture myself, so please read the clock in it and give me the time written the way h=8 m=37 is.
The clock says h=3 m=36
